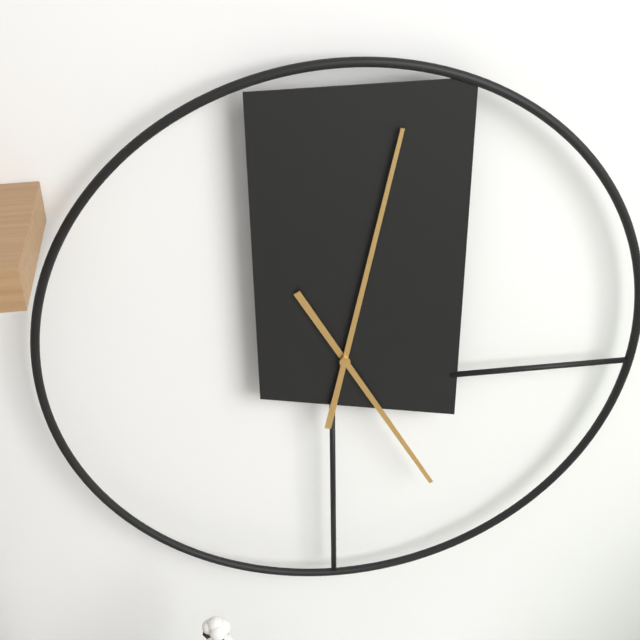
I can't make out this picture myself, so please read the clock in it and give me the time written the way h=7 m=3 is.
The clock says h=5 m=2
